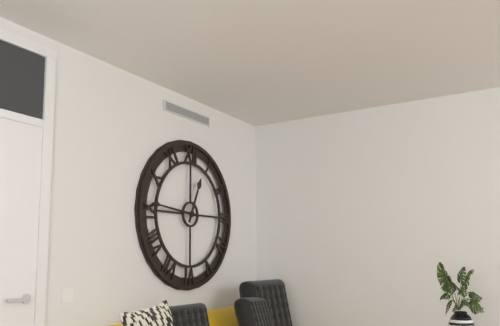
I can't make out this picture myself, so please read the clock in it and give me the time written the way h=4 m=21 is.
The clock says h=12 m=46
